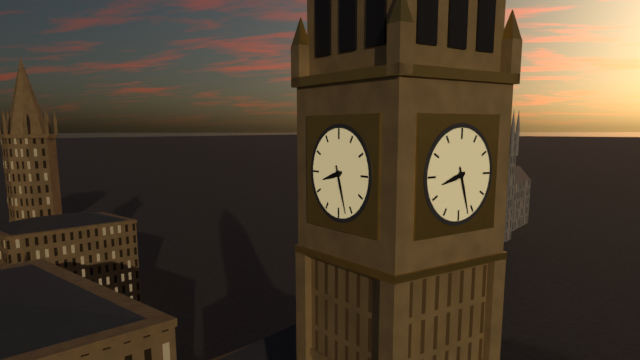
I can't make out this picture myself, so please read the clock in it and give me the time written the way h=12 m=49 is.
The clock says h=8 m=27
